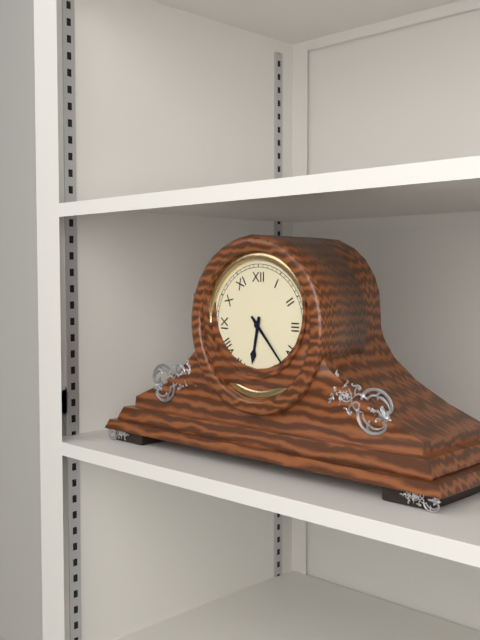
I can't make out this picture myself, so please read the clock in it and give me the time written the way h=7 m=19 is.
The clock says h=6 m=23
